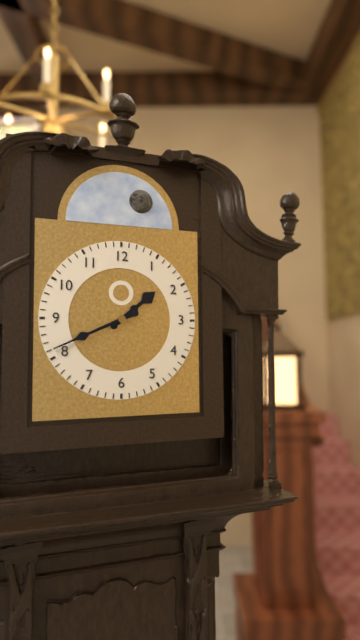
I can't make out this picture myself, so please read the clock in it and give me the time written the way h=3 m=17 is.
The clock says h=1 m=41
